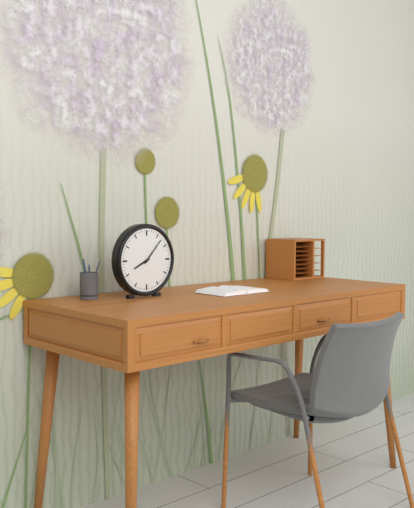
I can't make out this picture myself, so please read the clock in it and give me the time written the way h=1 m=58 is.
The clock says h=8 m=7
